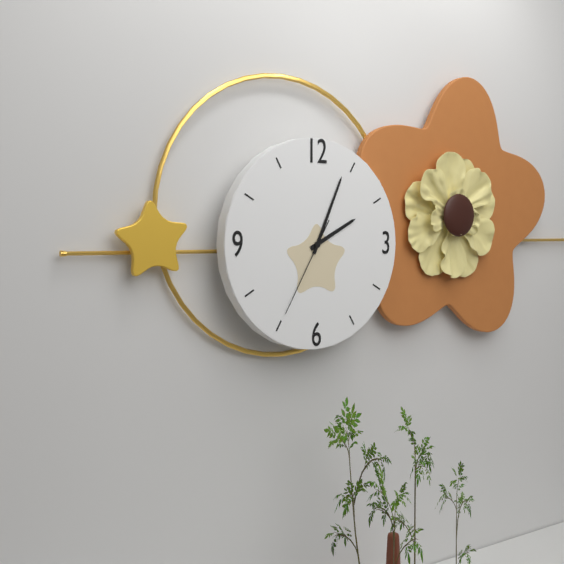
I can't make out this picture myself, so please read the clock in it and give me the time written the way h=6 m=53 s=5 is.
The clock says h=2 m=4 s=35
